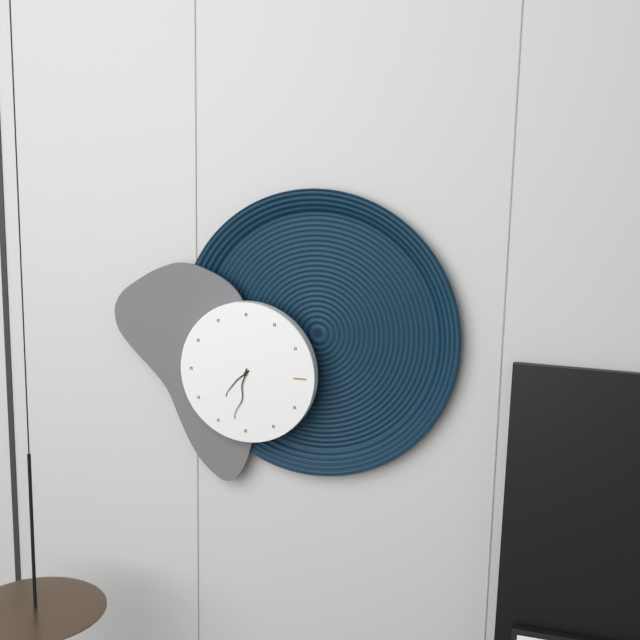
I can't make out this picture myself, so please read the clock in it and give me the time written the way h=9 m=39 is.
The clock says h=7 m=32
